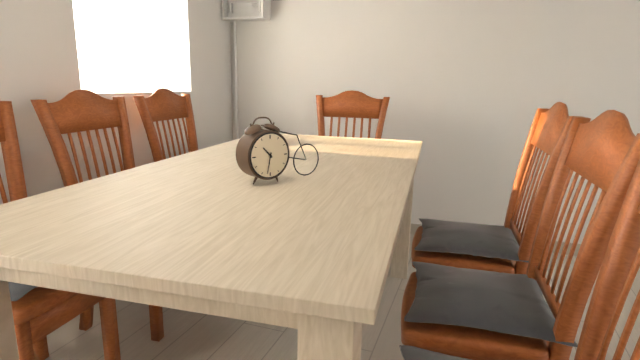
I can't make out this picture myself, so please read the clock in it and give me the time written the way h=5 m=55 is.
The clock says h=10 m=32
